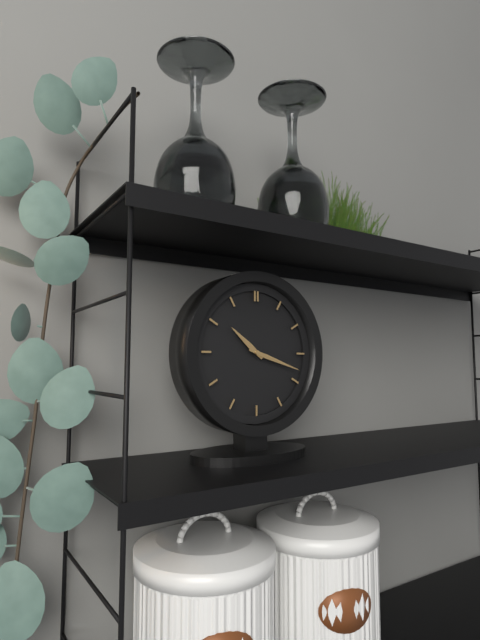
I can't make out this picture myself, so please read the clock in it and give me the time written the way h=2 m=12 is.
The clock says h=10 m=18
